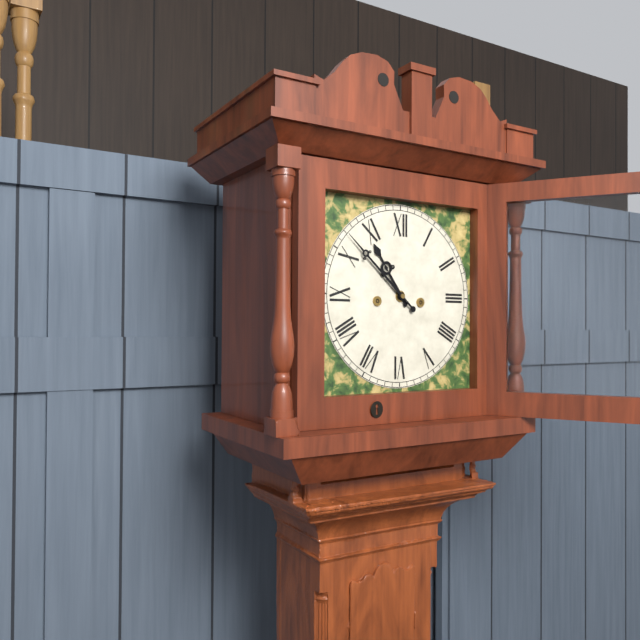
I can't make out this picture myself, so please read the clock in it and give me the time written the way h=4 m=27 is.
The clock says h=10 m=52
